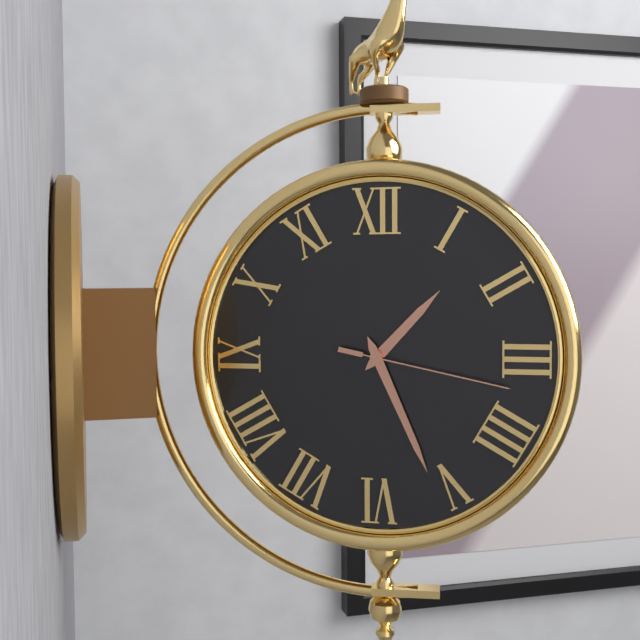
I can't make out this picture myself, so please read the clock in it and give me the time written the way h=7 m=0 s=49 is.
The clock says h=1 m=26 s=17
